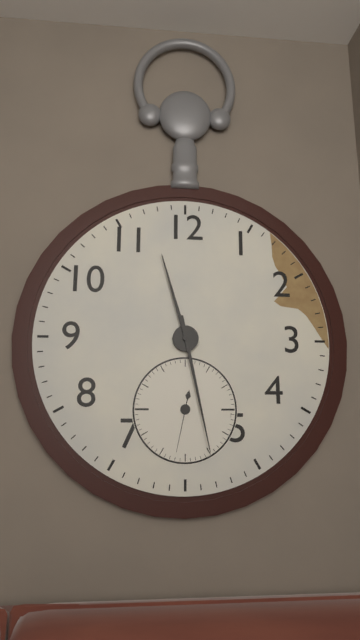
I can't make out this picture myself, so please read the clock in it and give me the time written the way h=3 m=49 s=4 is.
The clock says h=11 m=28 s=32
